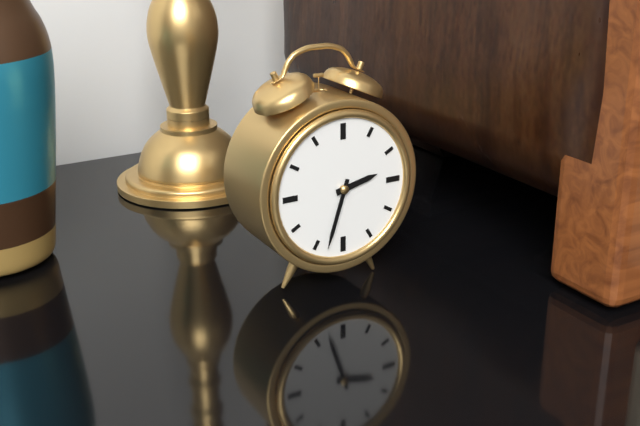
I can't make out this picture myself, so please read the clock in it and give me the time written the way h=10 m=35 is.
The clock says h=2 m=33
